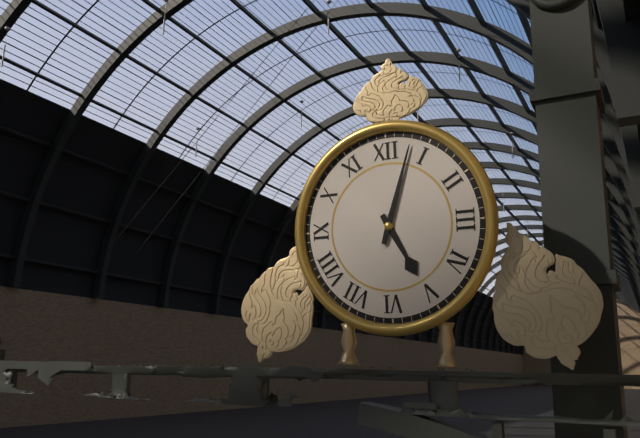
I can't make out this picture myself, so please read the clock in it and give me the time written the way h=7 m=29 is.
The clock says h=5 m=3
